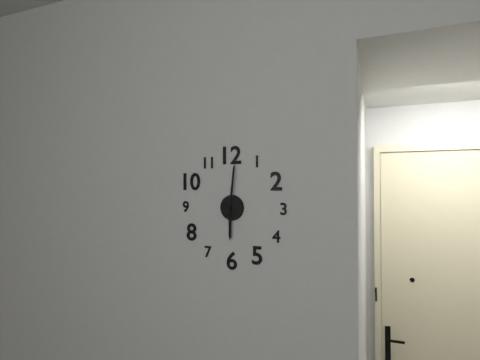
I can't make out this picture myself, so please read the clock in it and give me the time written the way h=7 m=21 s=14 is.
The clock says h=6 m=1 s=1
